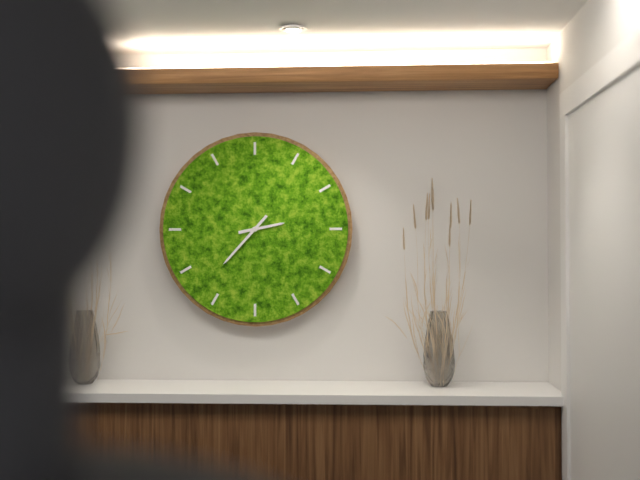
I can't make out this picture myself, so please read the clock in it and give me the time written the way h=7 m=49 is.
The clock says h=2 m=37
